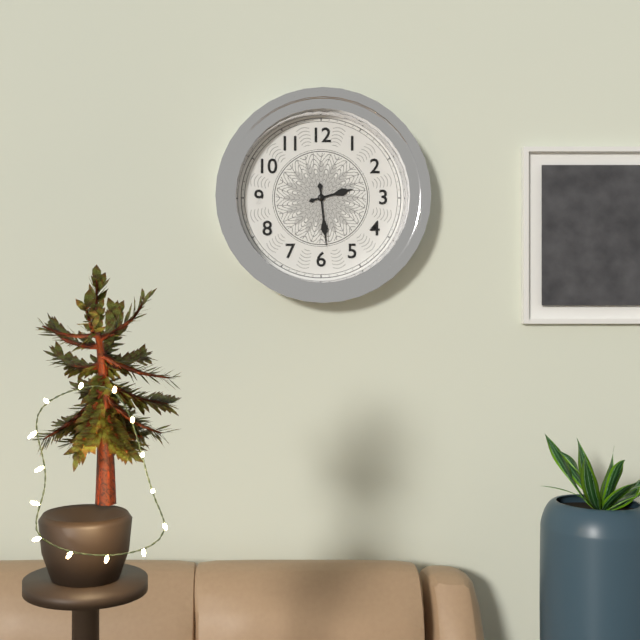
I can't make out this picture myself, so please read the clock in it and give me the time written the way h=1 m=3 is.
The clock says h=2 m=29
